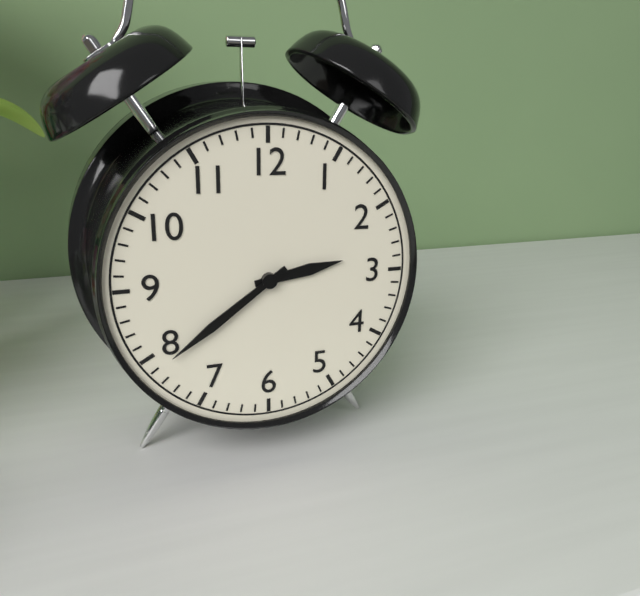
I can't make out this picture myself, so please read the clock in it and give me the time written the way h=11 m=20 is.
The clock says h=2 m=39
